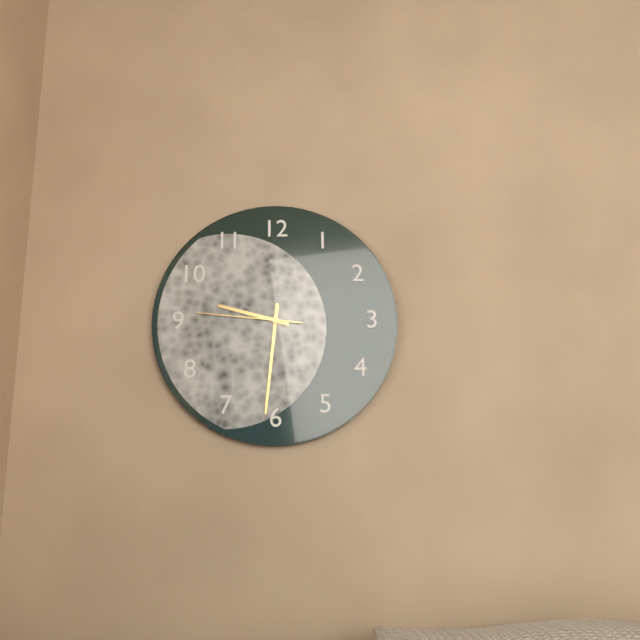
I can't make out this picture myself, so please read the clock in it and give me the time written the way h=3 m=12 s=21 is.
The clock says h=9 m=31 s=46
